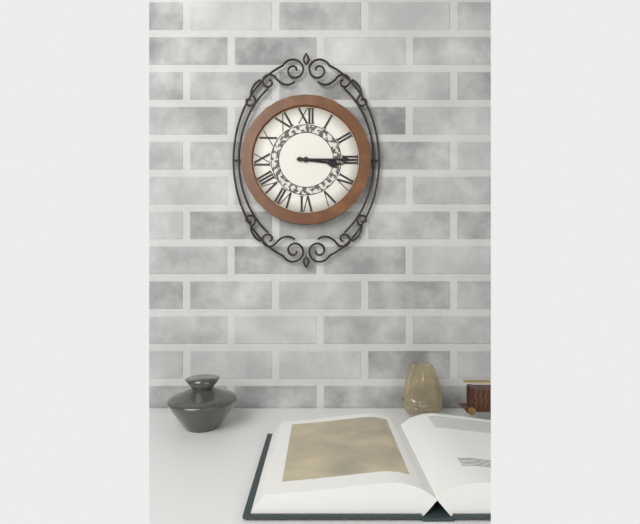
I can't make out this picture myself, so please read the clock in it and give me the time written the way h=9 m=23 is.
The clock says h=3 m=15
